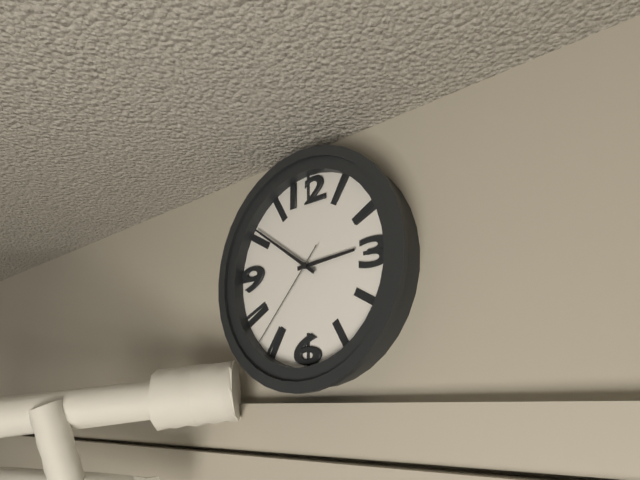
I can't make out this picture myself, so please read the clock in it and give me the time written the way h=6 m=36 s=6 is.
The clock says h=2 m=51 s=37
